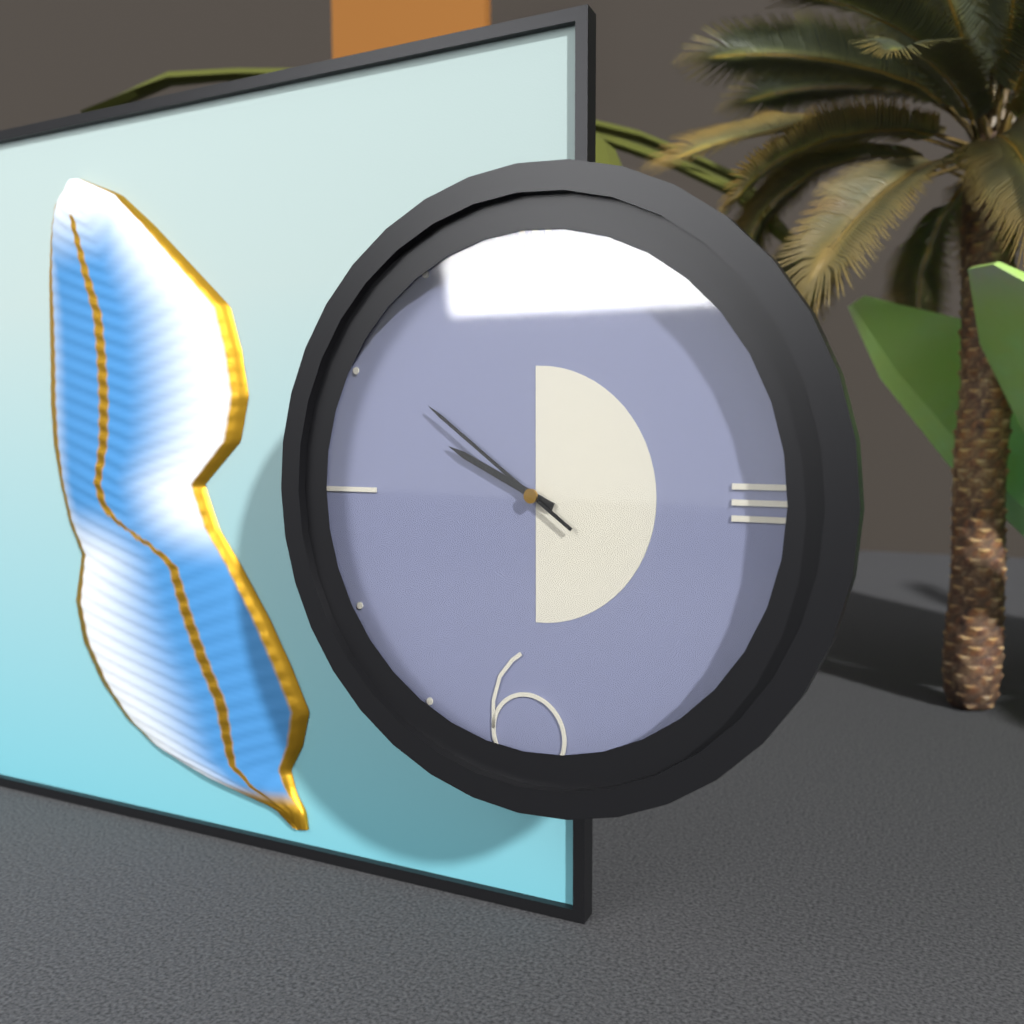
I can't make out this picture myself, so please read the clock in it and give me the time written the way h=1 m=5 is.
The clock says h=9 m=51
